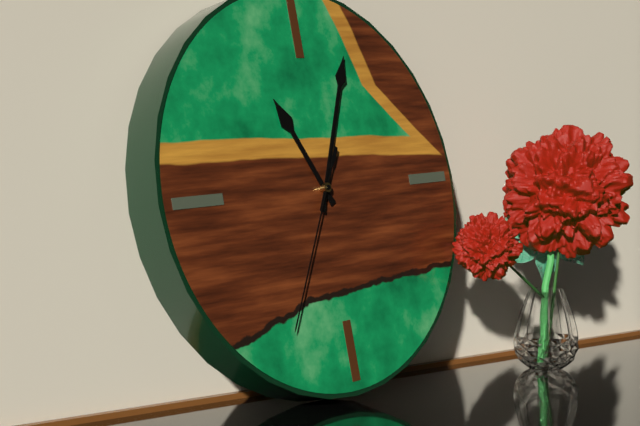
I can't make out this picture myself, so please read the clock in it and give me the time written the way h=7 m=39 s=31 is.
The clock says h=11 m=4 s=35
